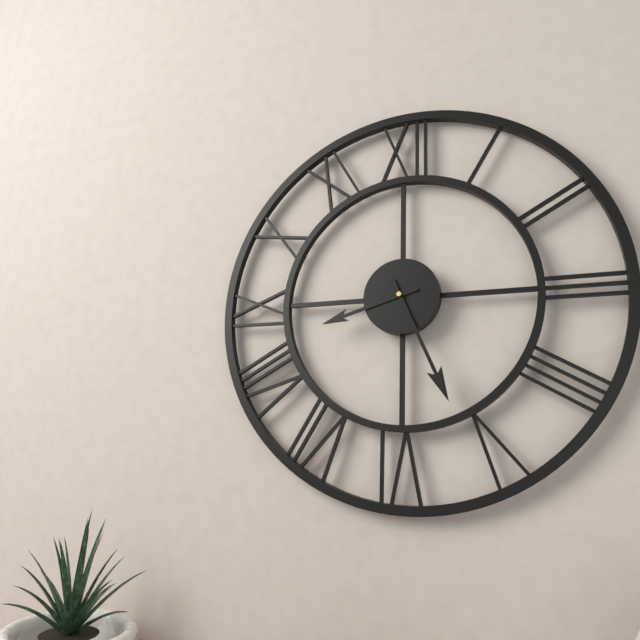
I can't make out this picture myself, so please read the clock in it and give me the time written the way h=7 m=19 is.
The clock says h=8 m=26
